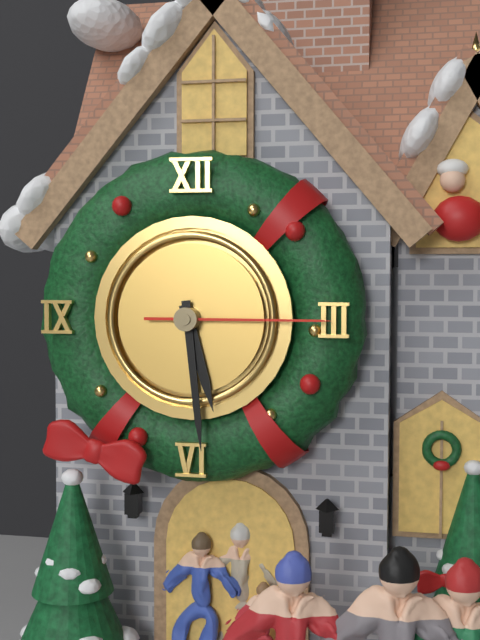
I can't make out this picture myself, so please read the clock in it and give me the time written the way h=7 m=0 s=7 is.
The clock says h=5 m=29 s=15
